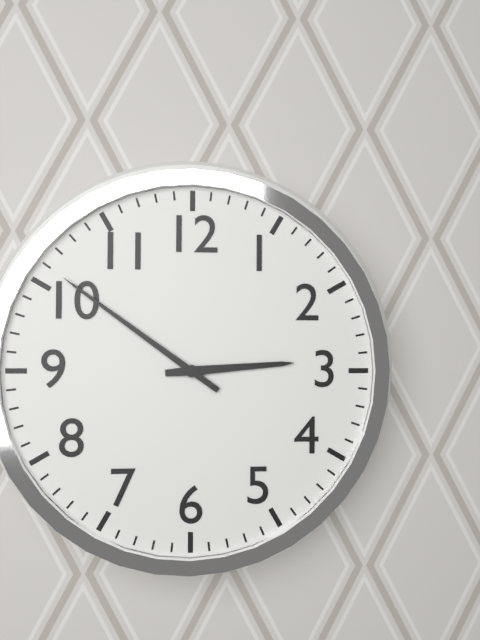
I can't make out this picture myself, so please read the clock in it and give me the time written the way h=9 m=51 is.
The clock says h=2 m=51
